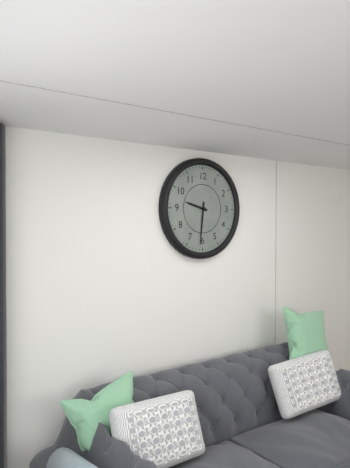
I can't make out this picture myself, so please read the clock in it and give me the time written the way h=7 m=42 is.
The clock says h=9 m=31
